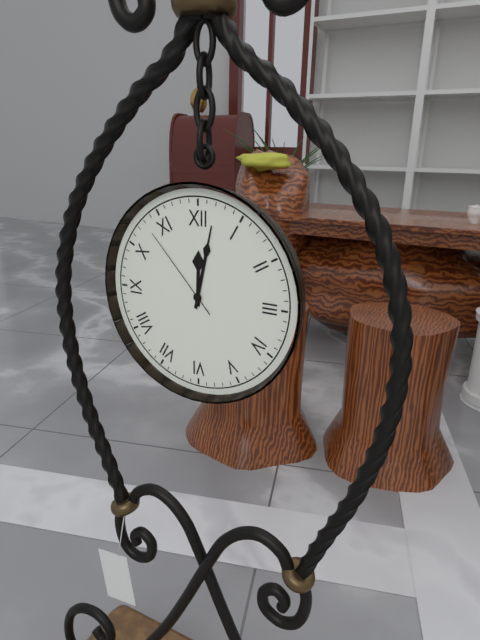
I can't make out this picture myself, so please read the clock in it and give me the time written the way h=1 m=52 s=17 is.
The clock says h=12 m=2 s=53
